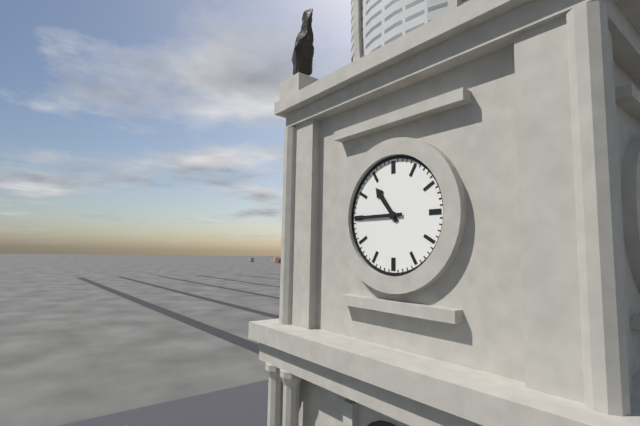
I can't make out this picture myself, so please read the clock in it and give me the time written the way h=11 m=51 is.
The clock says h=10 m=45
